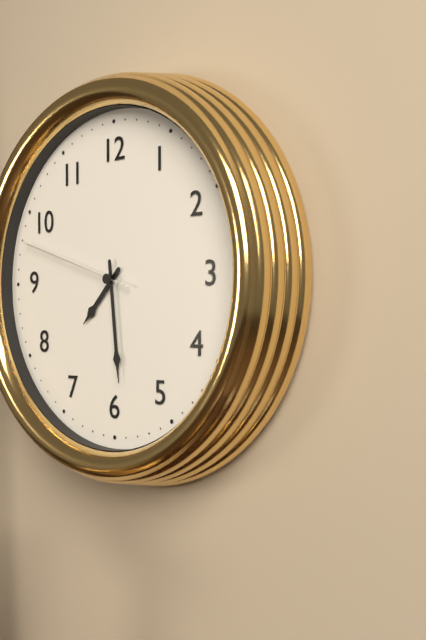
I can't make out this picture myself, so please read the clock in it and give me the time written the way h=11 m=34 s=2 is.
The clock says h=7 m=29 s=48
